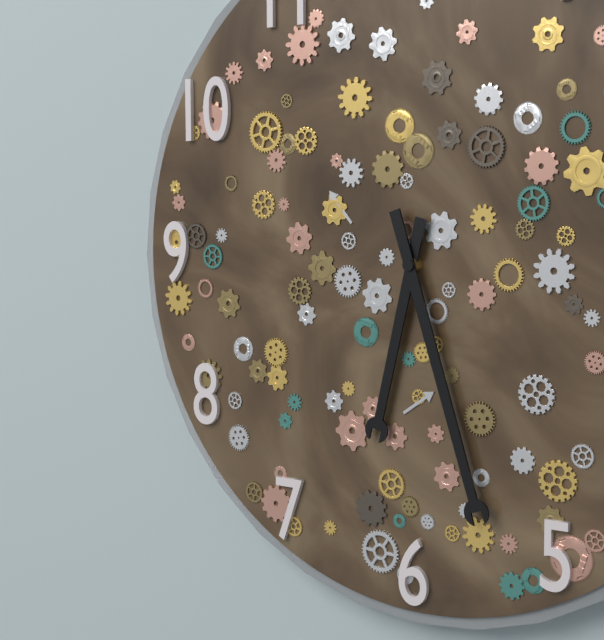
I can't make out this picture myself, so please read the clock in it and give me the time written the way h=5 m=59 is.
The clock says h=6 m=27
